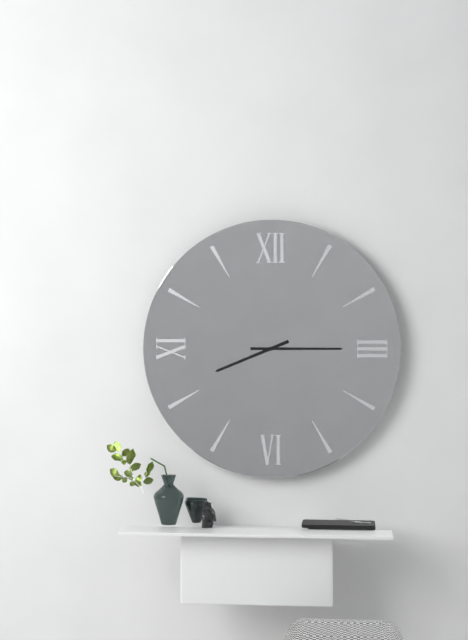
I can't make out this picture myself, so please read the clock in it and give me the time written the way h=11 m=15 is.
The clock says h=8 m=15
